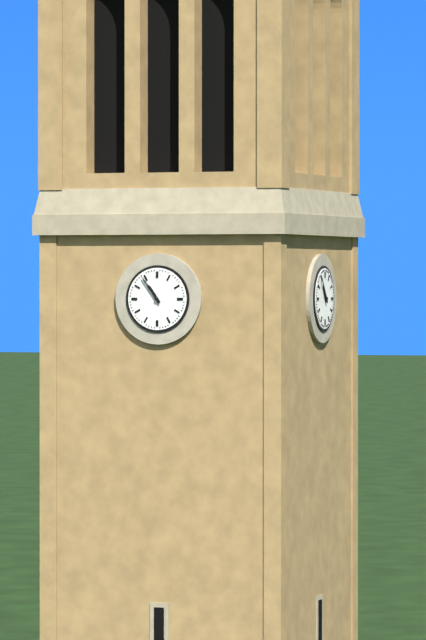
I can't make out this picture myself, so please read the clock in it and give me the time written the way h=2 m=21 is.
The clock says h=10 m=54
